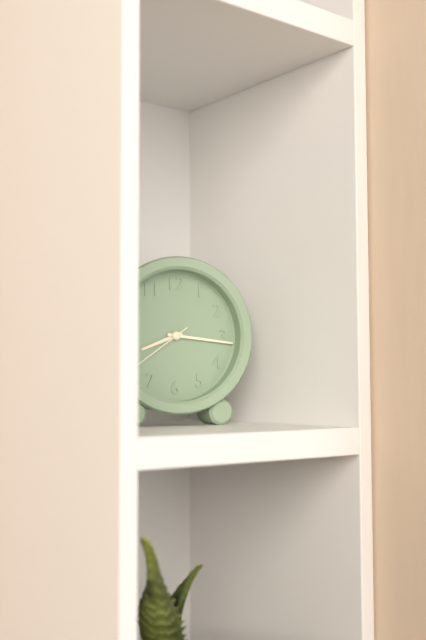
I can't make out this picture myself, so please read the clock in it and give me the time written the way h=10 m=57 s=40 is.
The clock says h=8 m=16 s=39
